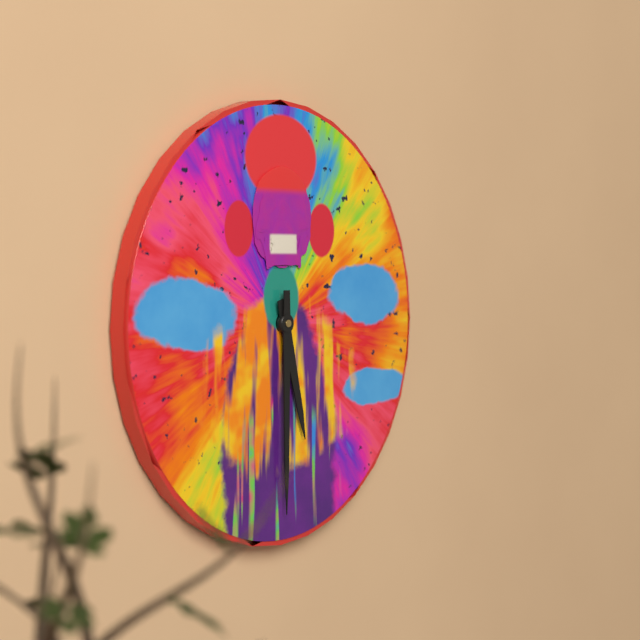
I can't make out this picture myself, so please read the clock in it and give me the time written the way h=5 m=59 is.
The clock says h=5 m=30
